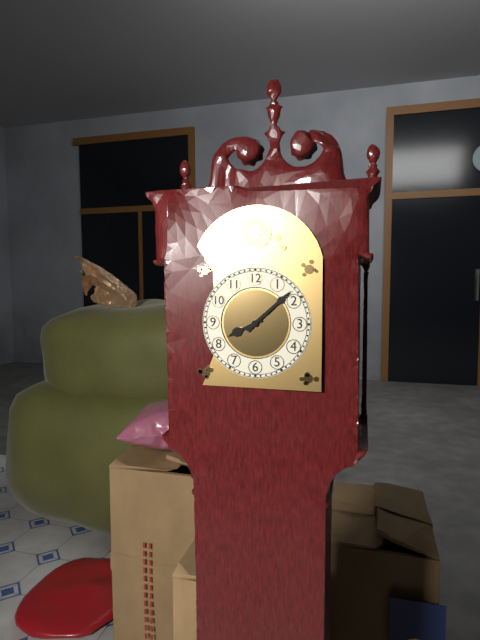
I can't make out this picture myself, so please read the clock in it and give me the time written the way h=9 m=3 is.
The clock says h=8 m=8
